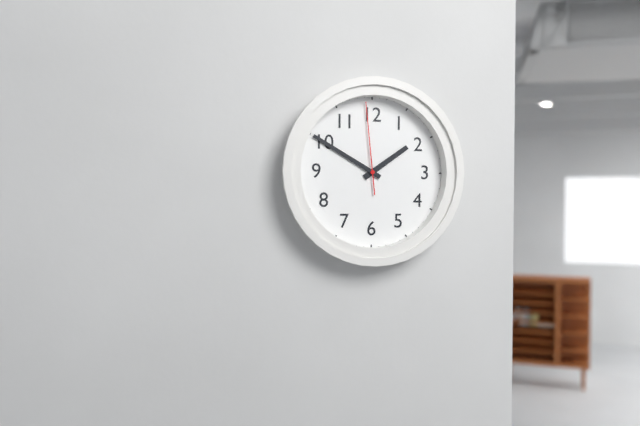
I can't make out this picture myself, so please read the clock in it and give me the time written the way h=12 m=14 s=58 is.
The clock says h=1 m=50 s=59
